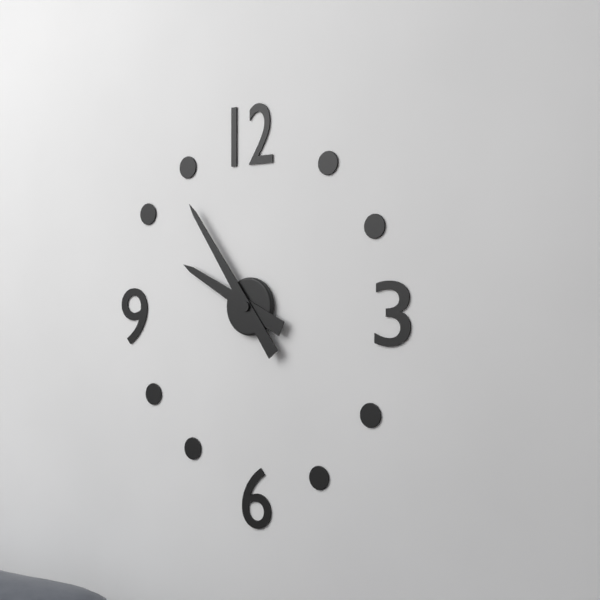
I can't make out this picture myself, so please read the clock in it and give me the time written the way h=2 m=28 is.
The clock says h=9 m=54
